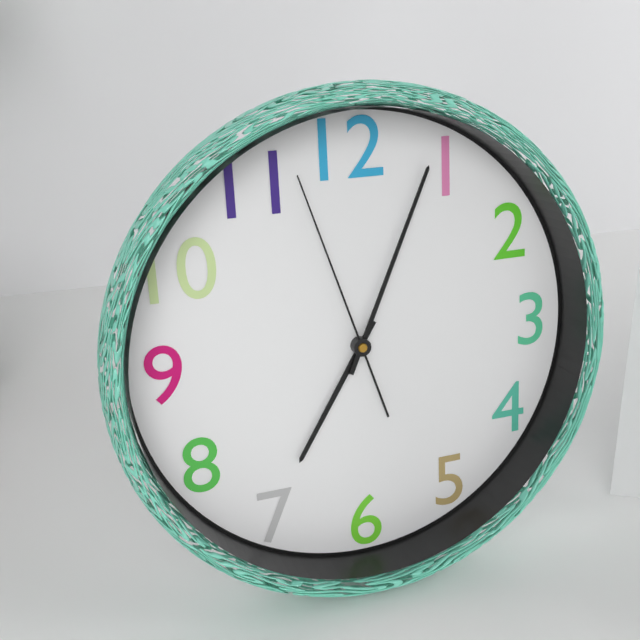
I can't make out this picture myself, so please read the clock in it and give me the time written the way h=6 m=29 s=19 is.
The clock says h=7 m=4 s=57
